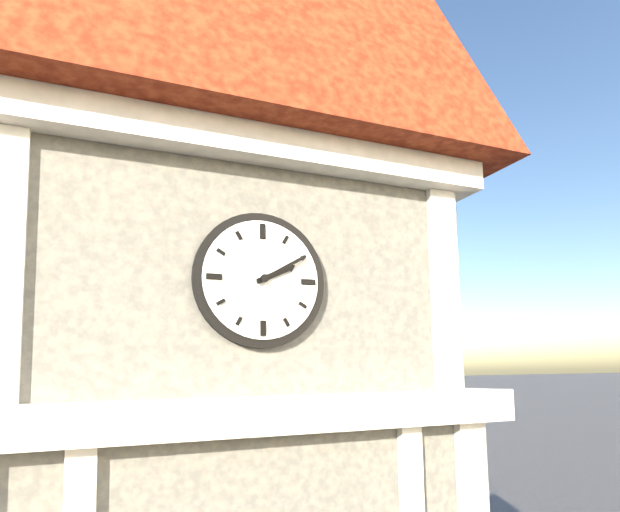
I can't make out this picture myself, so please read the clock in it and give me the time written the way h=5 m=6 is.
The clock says h=2 m=10
